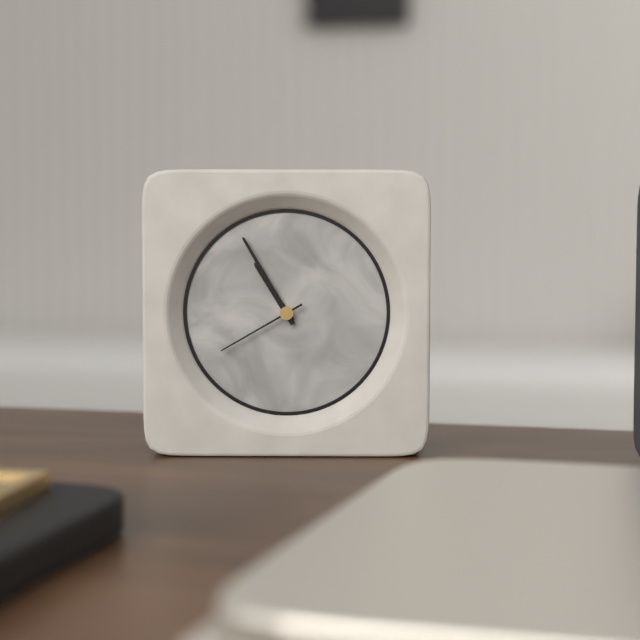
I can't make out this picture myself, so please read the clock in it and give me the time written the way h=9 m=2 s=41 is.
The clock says h=10 m=55 s=40
